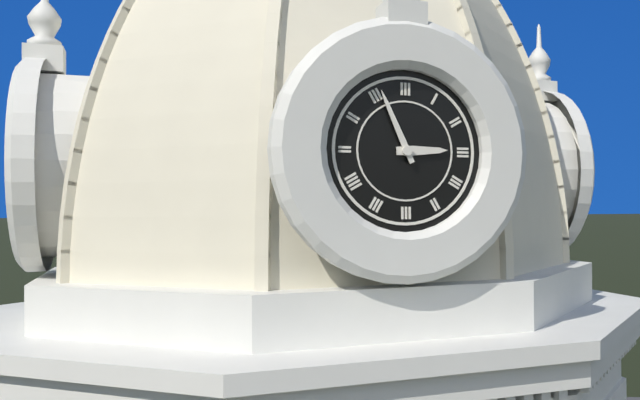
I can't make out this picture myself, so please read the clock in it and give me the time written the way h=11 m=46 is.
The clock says h=2 m=56
